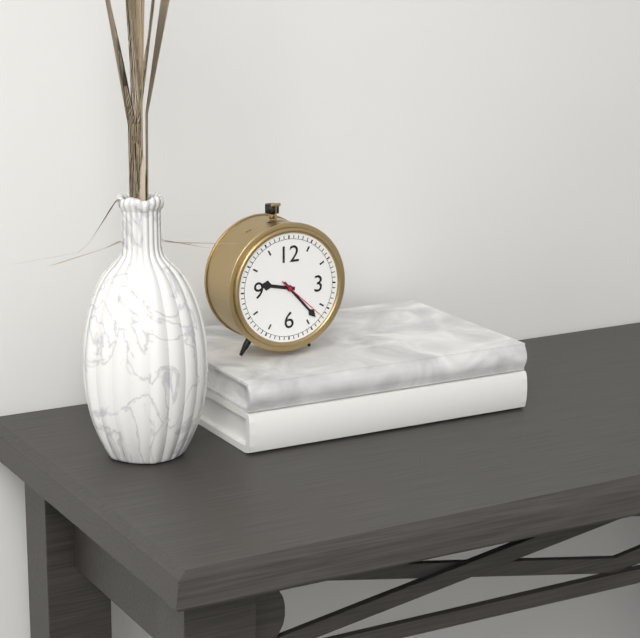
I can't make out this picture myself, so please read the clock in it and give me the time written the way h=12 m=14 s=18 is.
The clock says h=9 m=23 s=22
